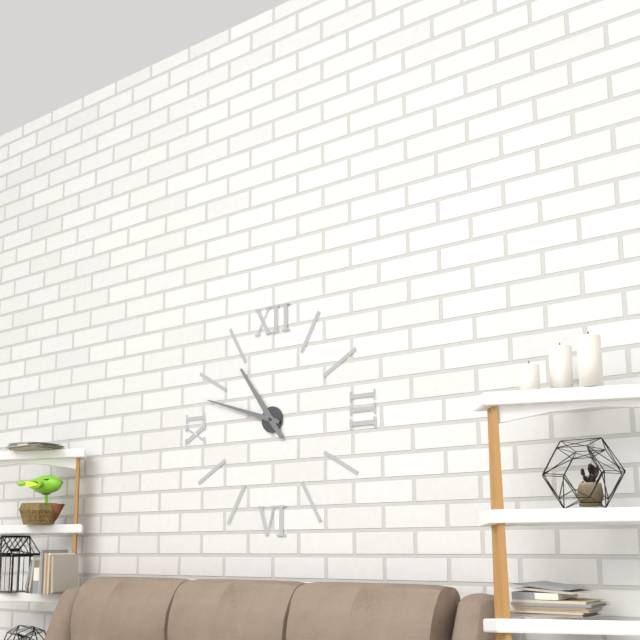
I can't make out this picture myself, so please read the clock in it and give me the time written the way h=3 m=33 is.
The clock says h=10 m=48
